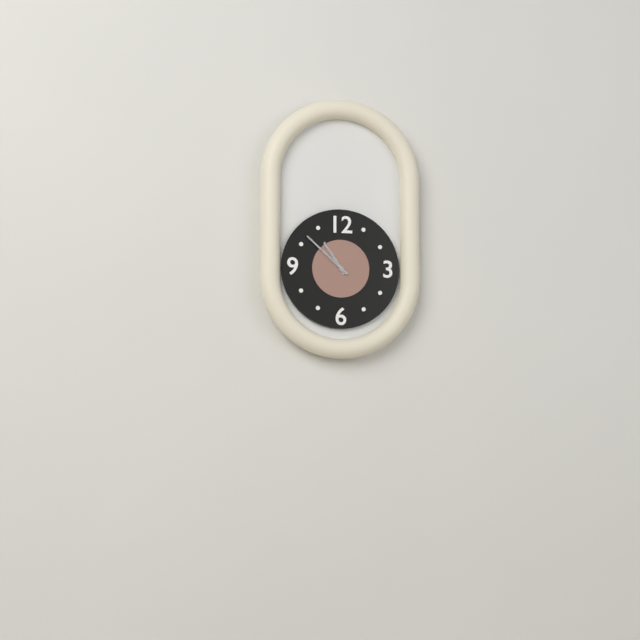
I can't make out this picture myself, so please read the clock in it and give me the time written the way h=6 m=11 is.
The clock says h=10 m=52
